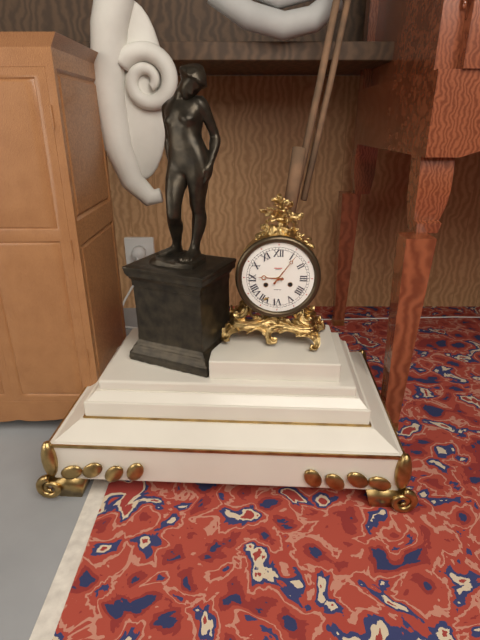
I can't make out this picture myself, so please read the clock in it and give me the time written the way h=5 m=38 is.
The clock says h=9 m=6
